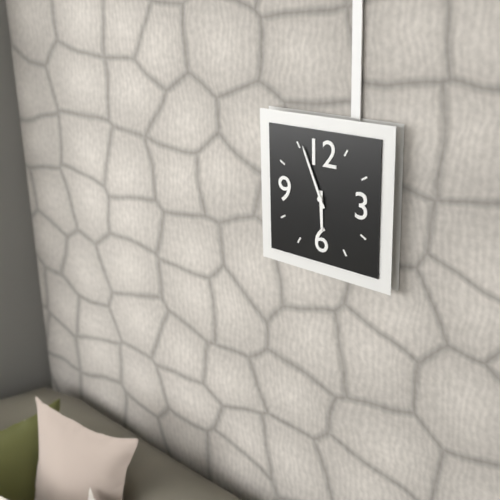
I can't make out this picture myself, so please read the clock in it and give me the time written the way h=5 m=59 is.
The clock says h=5 m=56
